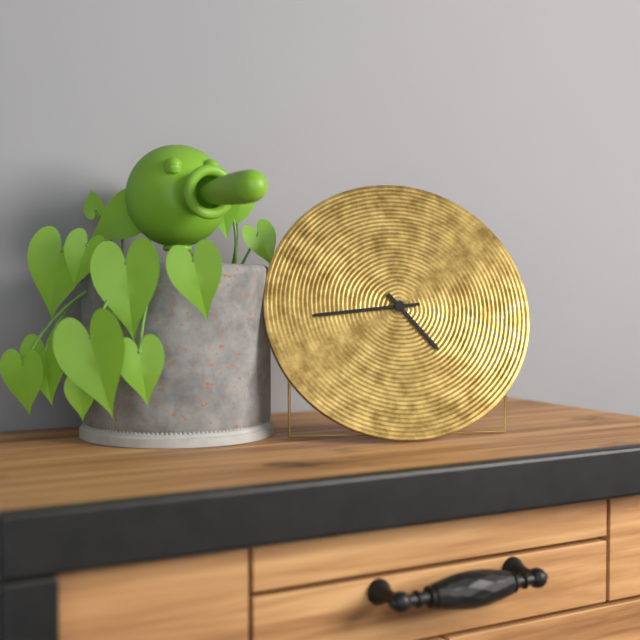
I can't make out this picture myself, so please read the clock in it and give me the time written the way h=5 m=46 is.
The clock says h=4 m=44
